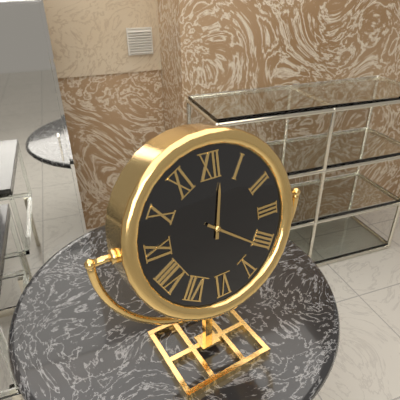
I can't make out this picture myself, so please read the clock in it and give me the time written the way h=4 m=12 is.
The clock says h=12 m=21
